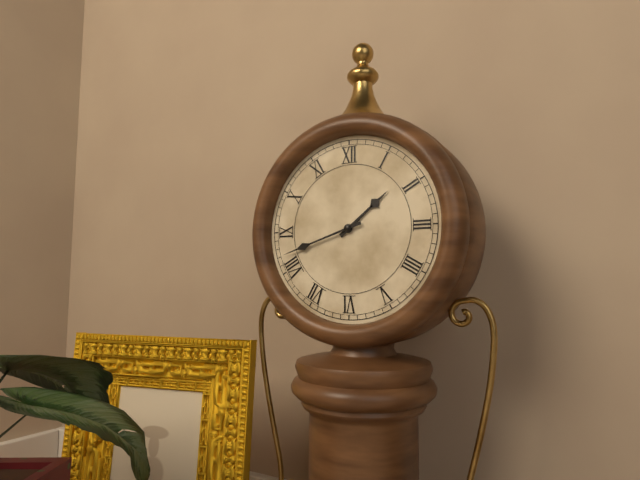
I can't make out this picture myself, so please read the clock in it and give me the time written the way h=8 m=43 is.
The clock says h=1 m=42
